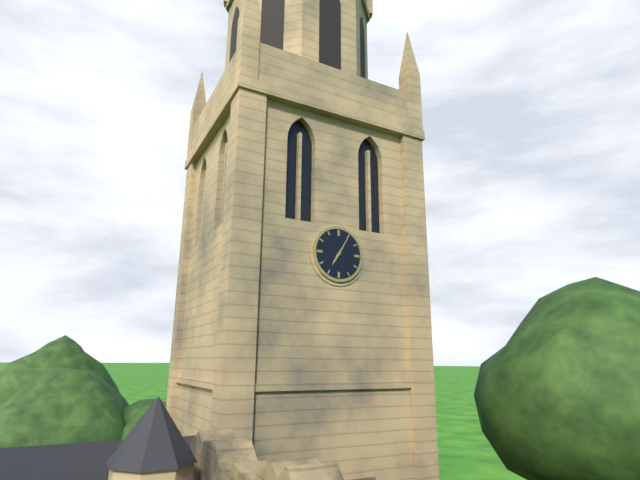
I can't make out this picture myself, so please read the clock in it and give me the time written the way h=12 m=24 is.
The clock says h=7 m=5
